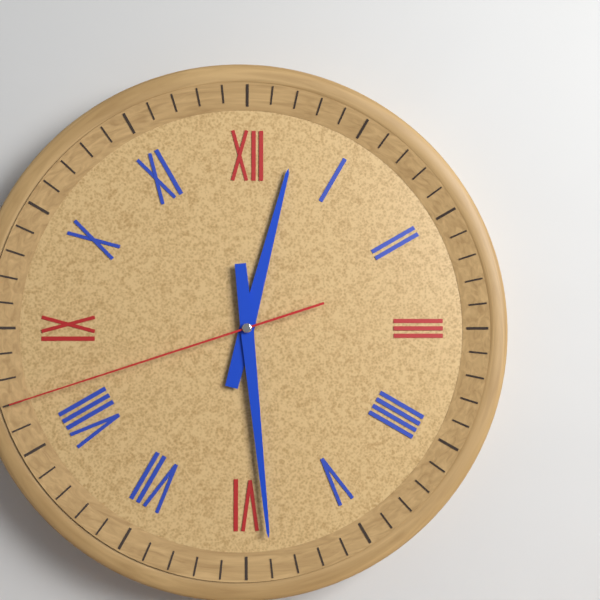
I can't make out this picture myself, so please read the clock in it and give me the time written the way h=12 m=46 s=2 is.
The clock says h=12 m=29 s=42
